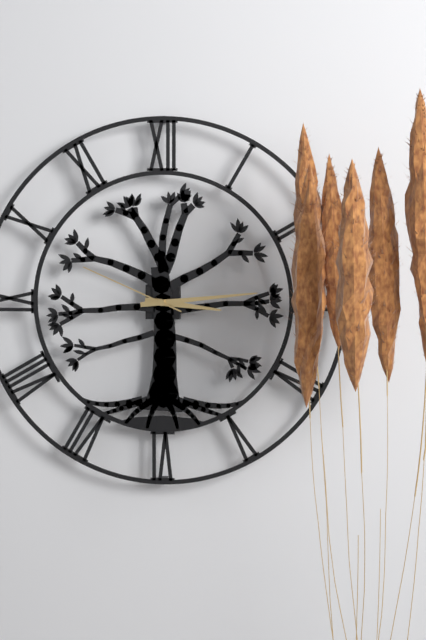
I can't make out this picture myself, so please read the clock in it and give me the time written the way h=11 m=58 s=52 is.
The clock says h=3 m=14 s=49
